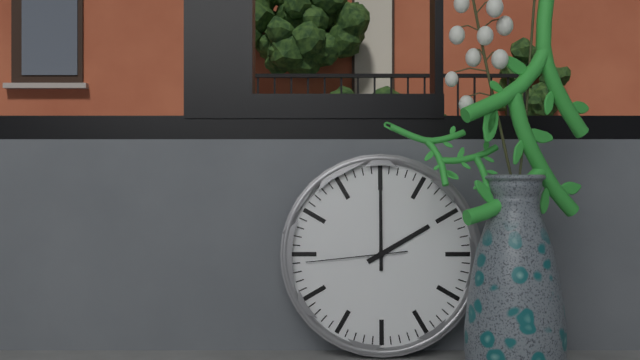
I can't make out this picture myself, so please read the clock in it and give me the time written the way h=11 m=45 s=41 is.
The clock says h=2 m=0 s=44
